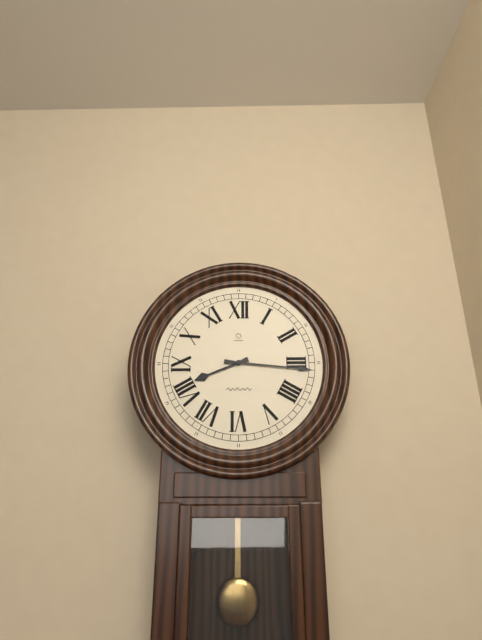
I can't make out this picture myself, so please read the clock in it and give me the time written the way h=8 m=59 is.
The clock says h=8 m=16
